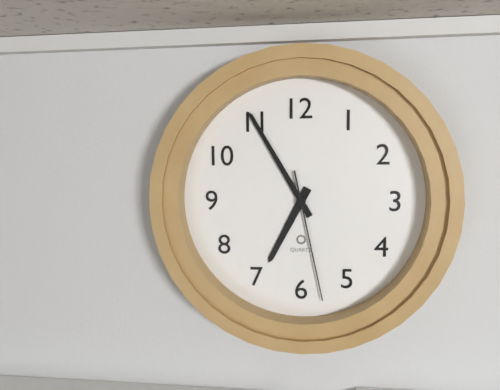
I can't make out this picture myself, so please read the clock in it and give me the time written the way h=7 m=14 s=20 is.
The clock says h=6 m=55 s=28
